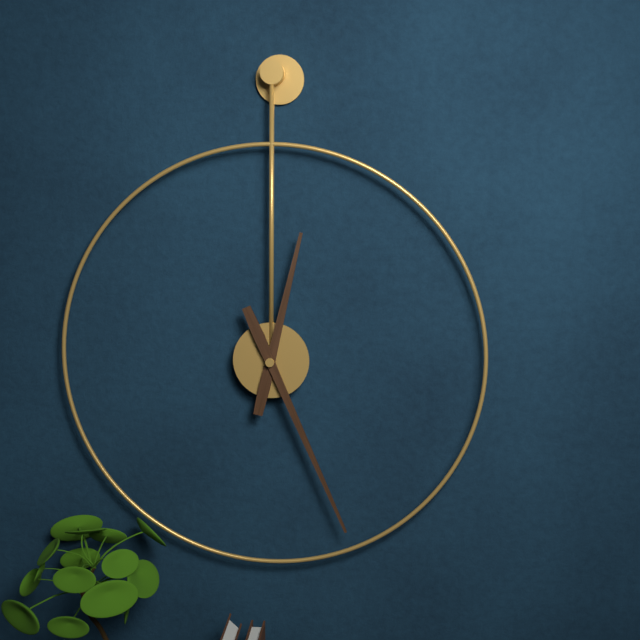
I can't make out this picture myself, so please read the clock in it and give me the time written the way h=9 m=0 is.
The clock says h=12 m=26
